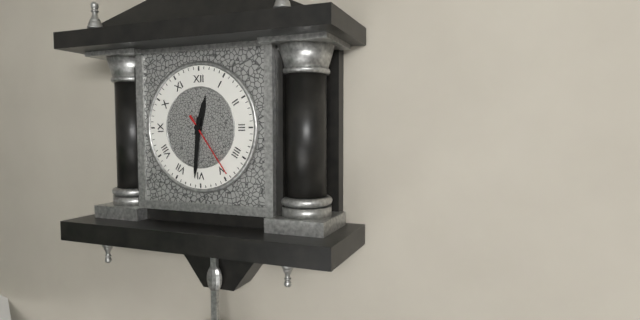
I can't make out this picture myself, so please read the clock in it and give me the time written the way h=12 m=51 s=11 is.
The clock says h=12 m=31 s=24
